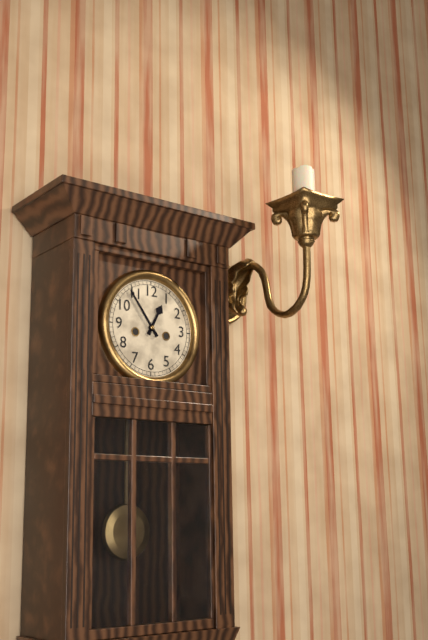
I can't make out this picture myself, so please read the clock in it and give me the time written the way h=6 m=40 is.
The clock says h=12 m=54
